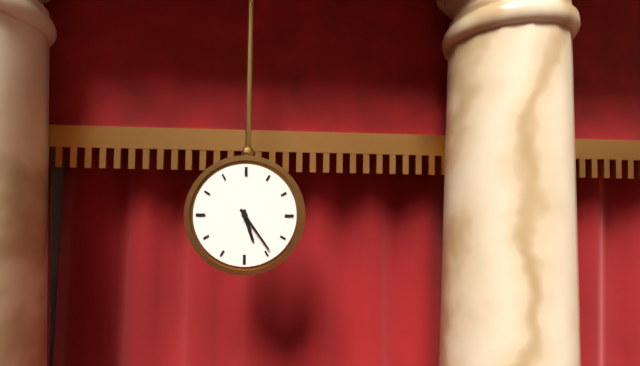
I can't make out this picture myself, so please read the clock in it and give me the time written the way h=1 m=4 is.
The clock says h=5 m=24
